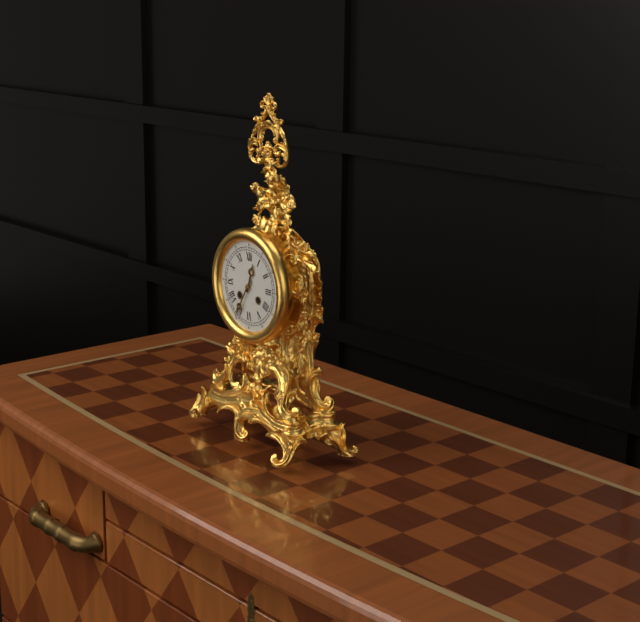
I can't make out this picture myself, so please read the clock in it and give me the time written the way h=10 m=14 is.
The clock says h=12 m=35
